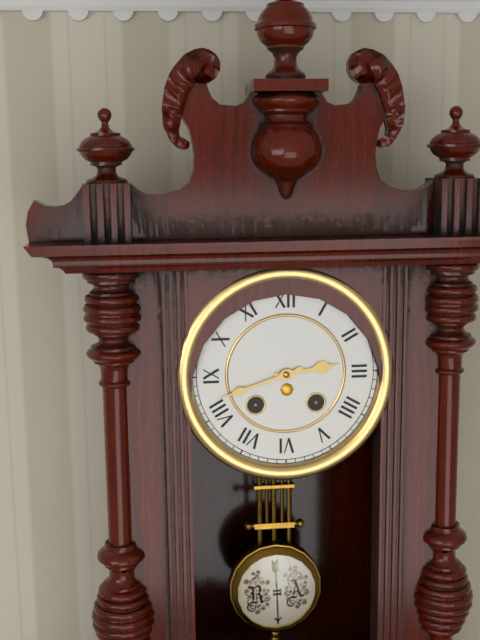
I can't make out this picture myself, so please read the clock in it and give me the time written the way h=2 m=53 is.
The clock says h=2 m=42
